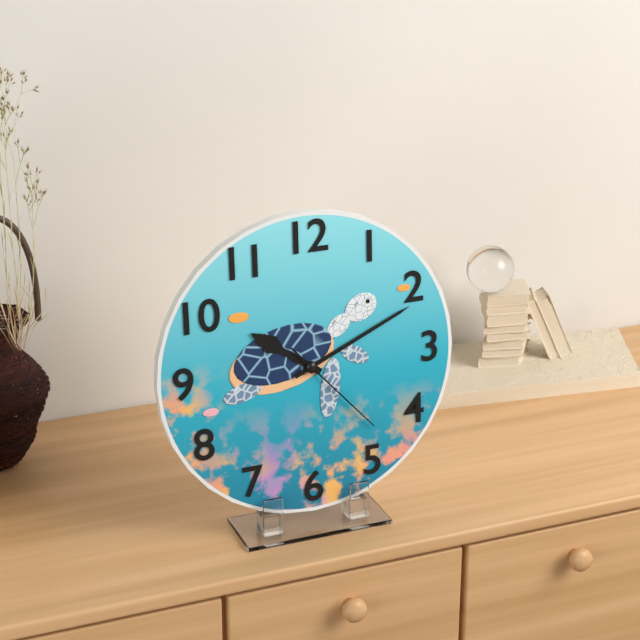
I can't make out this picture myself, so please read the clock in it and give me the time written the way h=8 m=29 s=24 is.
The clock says h=10 m=11 s=23
